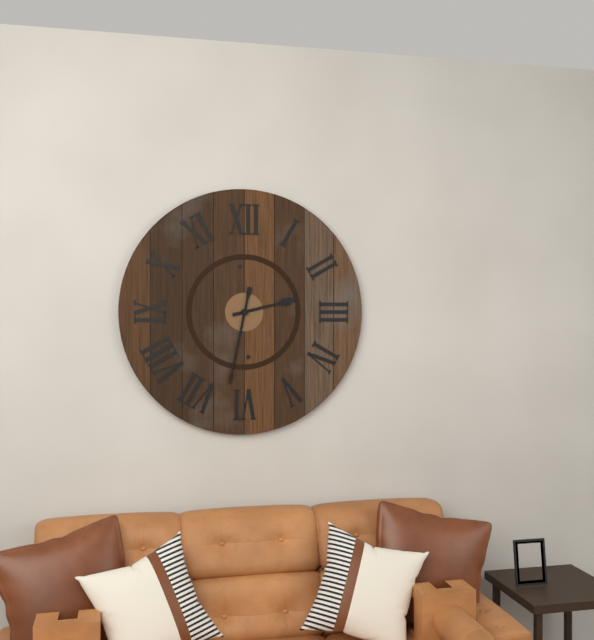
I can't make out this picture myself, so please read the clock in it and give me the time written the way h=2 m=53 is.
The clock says h=2 m=32
